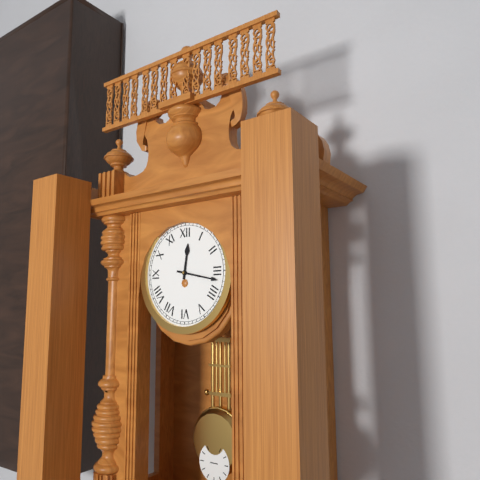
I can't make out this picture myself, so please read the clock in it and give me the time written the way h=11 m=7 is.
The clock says h=12 m=17
